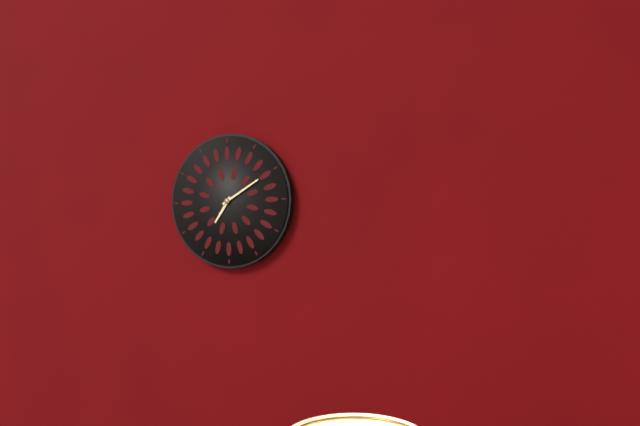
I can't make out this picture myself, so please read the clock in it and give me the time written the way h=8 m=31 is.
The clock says h=7 m=10
